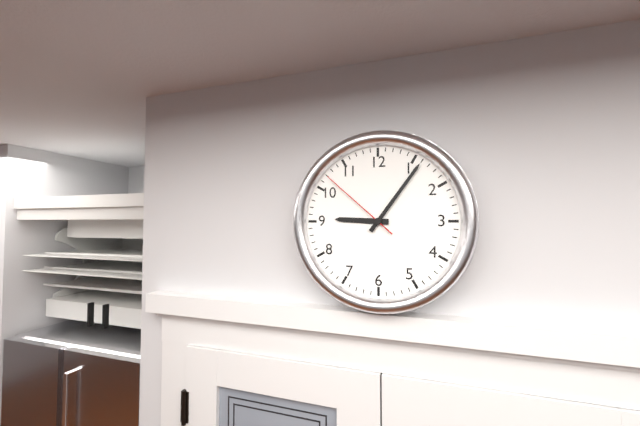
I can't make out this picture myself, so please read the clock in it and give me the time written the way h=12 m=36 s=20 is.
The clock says h=9 m=6 s=52
